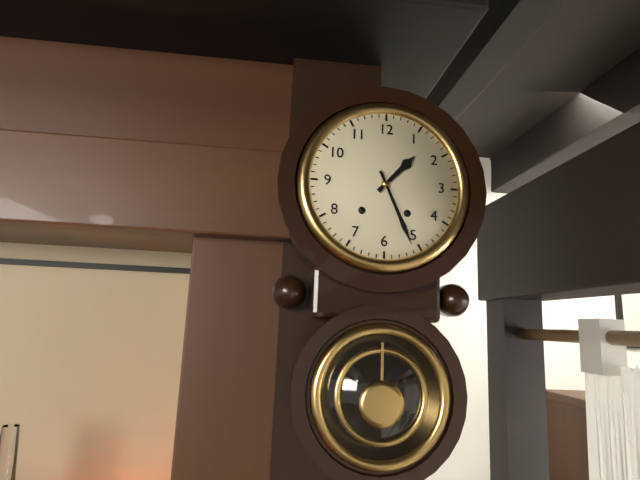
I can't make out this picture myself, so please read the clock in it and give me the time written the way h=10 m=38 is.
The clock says h=1 m=26
